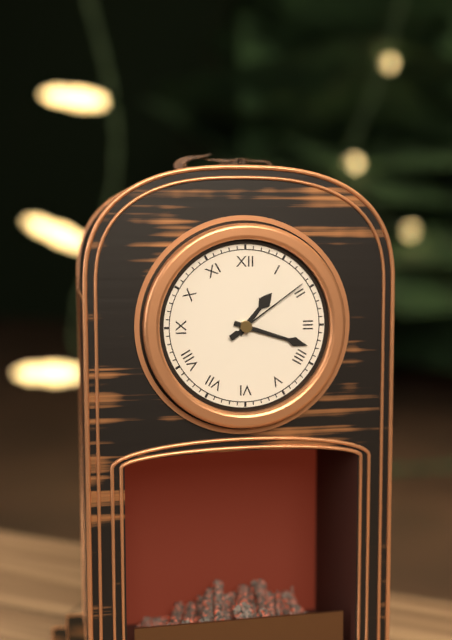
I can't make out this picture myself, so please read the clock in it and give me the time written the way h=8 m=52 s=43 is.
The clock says h=1 m=18 s=9
